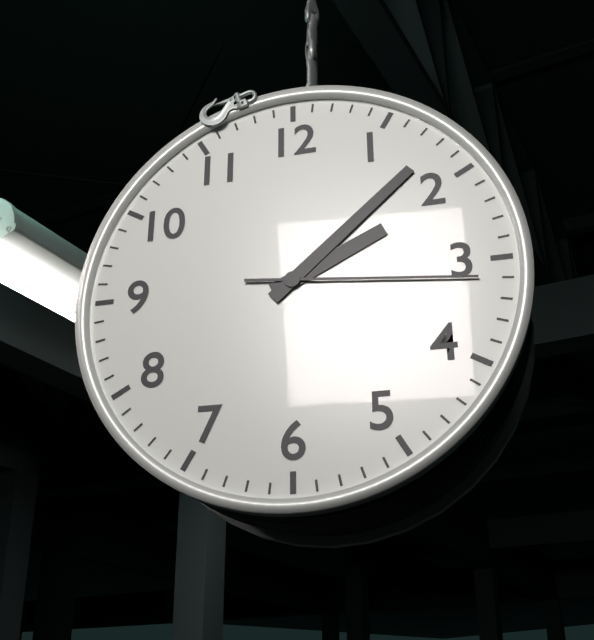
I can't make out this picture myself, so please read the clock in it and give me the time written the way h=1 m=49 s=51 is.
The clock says h=2 m=8 s=16
